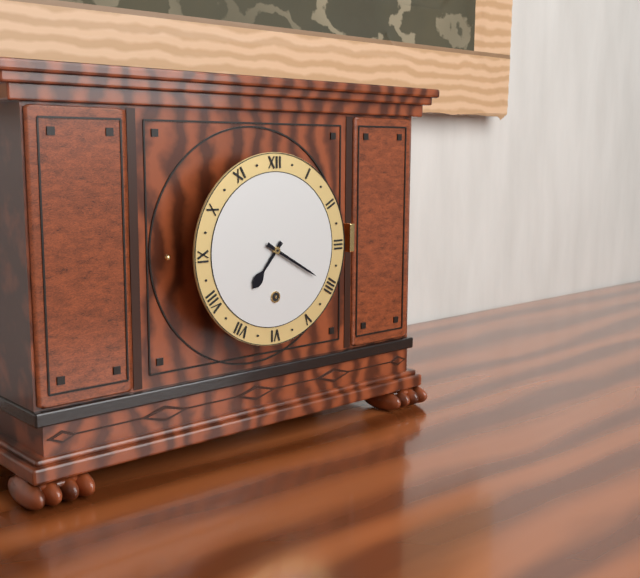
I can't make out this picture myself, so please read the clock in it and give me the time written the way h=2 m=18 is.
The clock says h=7 m=20
